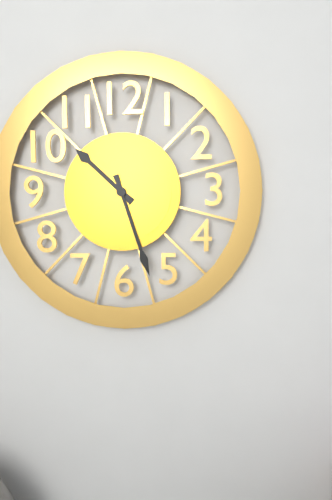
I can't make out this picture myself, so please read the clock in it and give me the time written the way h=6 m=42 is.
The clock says h=10 m=27
